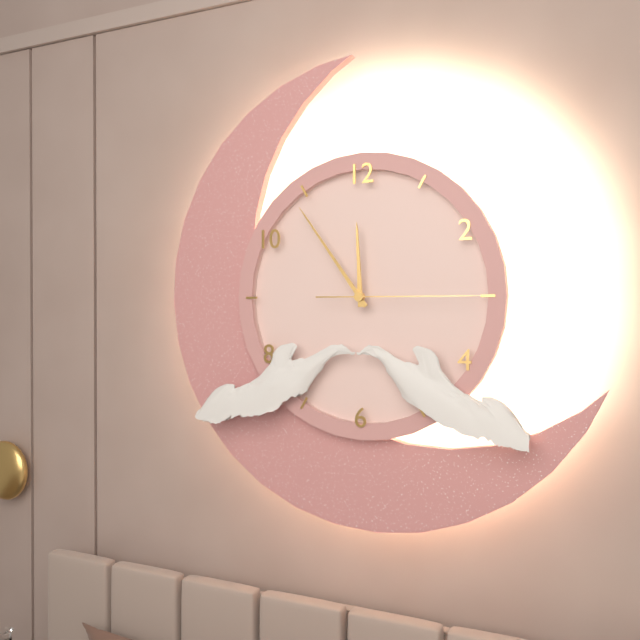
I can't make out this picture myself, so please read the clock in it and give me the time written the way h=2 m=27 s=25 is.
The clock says h=11 m=54 s=15
